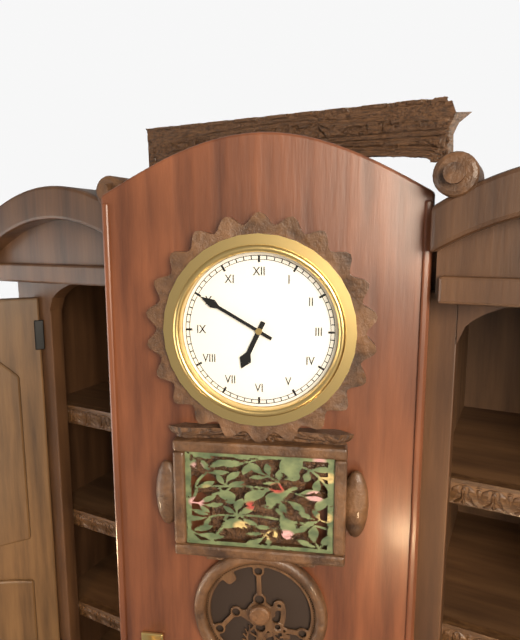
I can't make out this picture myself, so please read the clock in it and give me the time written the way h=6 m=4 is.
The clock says h=6 m=50
